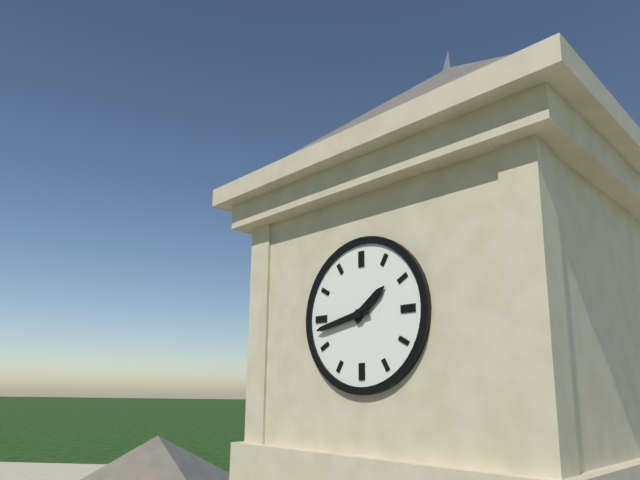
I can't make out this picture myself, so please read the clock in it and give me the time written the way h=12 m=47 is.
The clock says h=1 m=43
